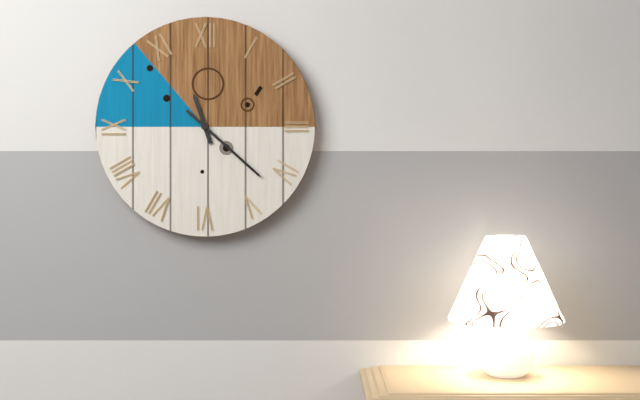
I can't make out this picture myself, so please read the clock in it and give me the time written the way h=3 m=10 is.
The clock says h=11 m=22
